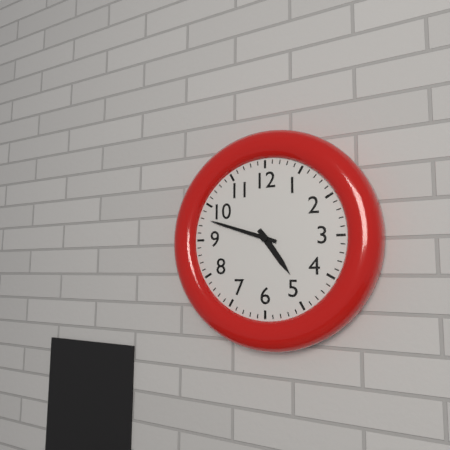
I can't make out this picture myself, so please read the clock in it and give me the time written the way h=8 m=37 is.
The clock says h=4 m=48
